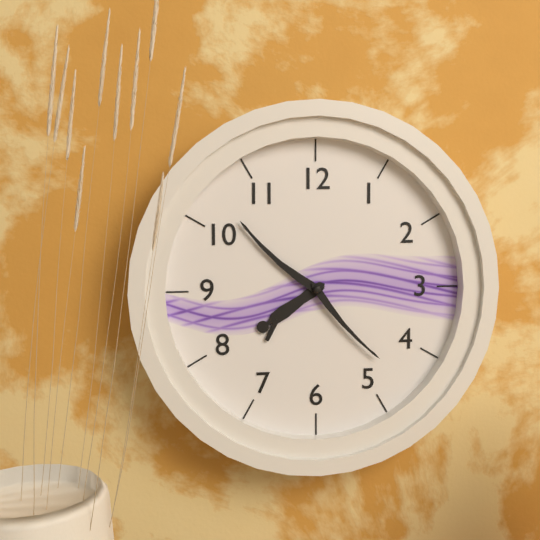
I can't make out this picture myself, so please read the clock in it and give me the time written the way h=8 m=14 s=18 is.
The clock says h=7 m=52 s=23
